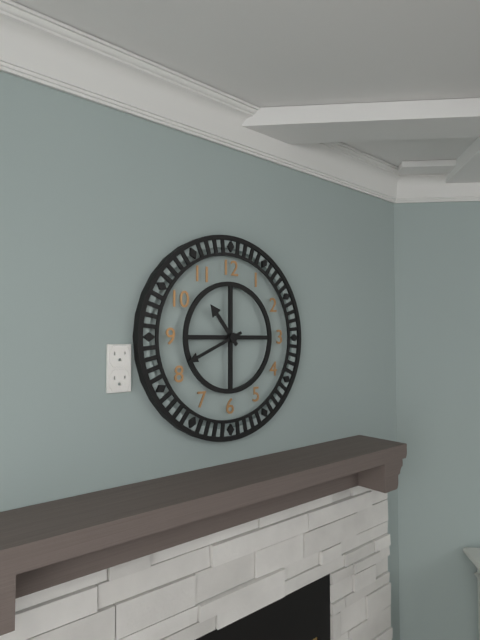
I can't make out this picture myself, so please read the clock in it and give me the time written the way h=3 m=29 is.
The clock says h=10 m=41
